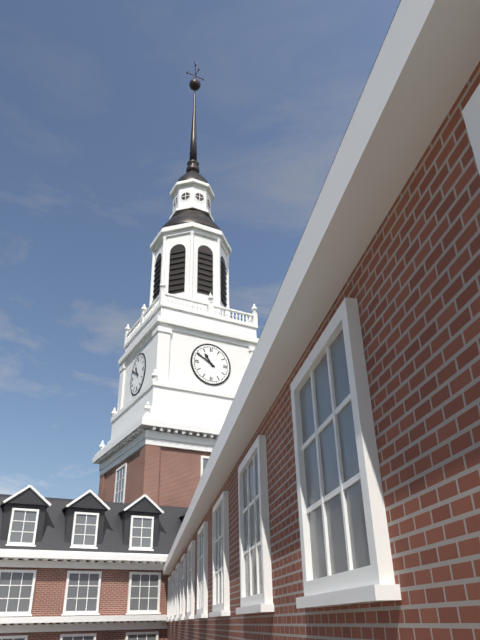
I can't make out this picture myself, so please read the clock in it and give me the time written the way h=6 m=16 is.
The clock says h=10 m=50
